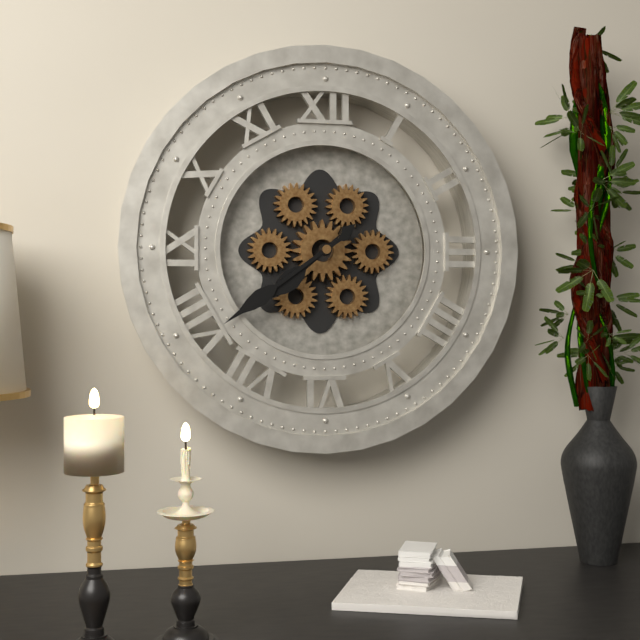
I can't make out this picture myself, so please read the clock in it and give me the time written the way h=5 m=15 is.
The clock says h=7 m=39
